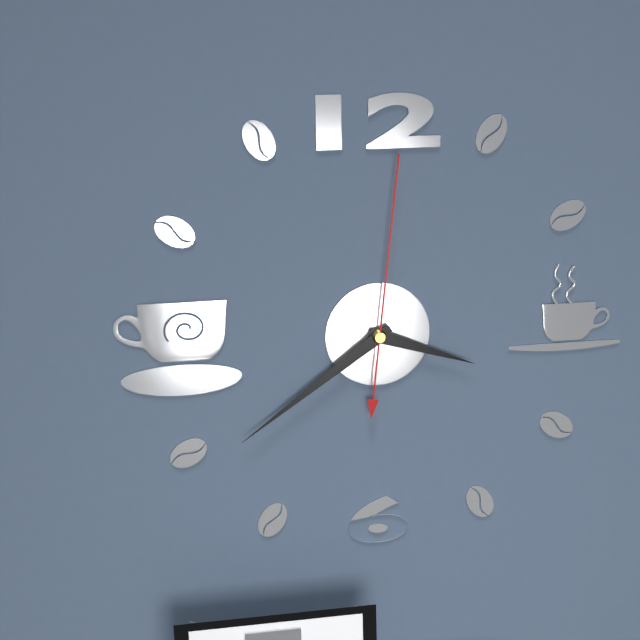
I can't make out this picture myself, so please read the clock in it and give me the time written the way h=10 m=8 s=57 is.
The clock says h=3 m=39 s=1
